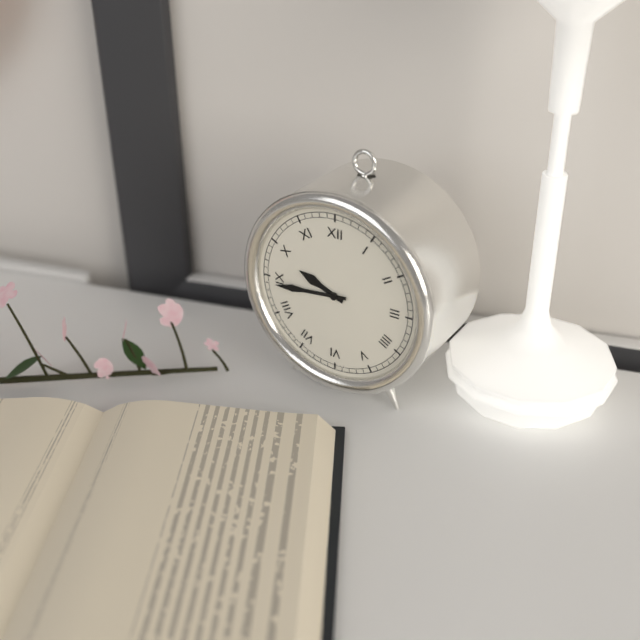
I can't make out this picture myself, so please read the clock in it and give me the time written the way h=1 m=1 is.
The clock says h=9 m=44
